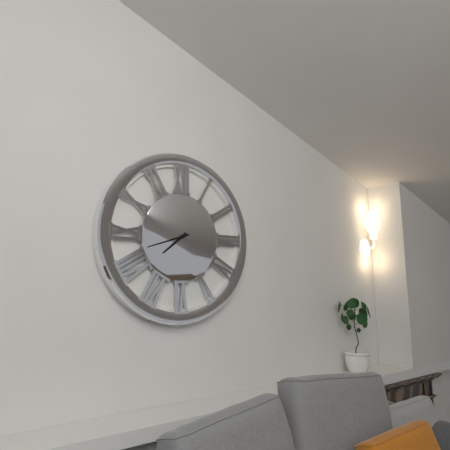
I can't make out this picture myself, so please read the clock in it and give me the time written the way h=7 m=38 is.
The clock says h=7 m=42
